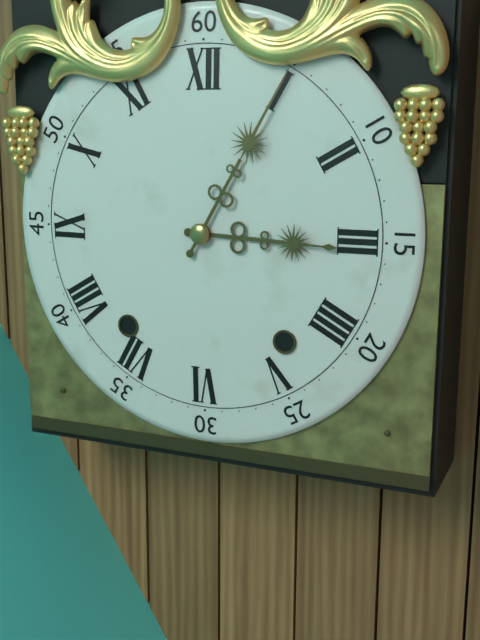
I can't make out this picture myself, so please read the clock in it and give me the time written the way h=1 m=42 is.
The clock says h=3 m=5
